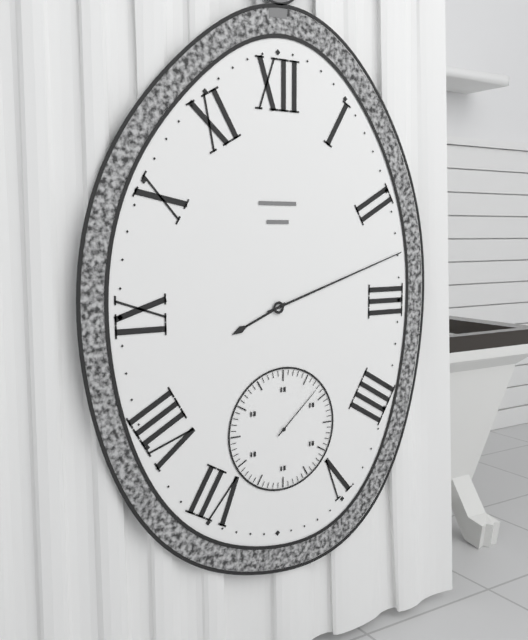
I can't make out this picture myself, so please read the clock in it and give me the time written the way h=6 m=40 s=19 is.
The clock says h=8 m=12 s=8
